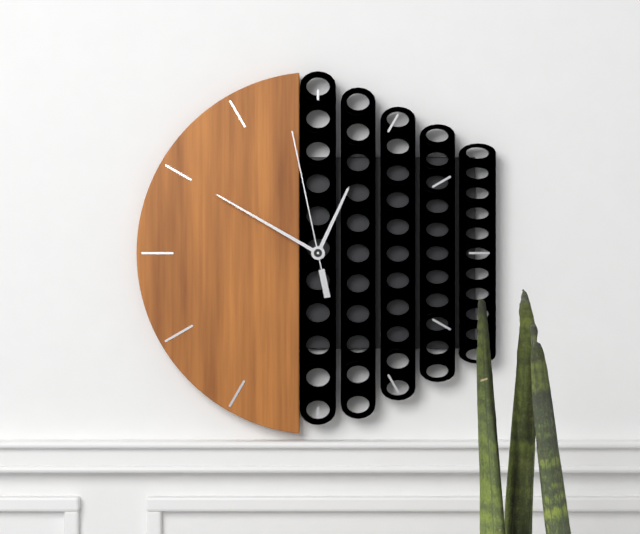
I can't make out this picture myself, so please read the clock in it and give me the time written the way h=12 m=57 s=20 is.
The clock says h=12 m=50 s=58
